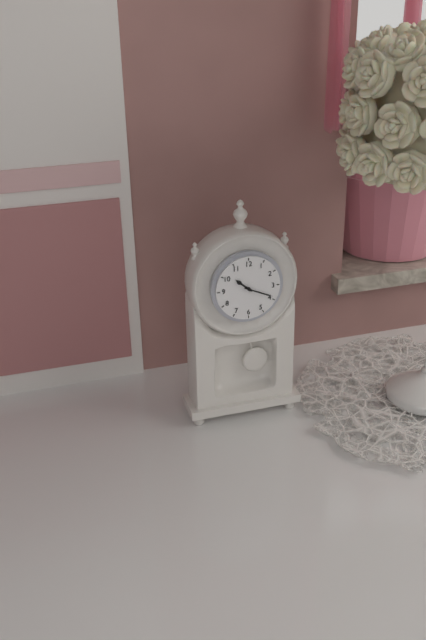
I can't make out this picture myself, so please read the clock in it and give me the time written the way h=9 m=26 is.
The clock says h=10 m=19
